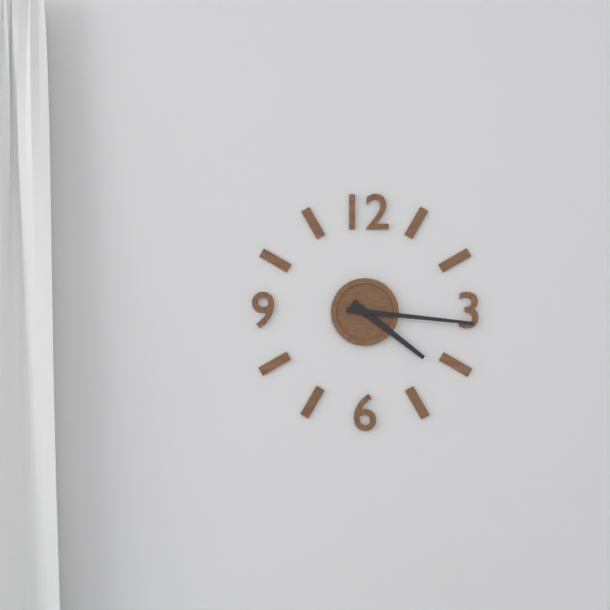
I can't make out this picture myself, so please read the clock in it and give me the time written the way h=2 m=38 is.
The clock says h=4 m=16
